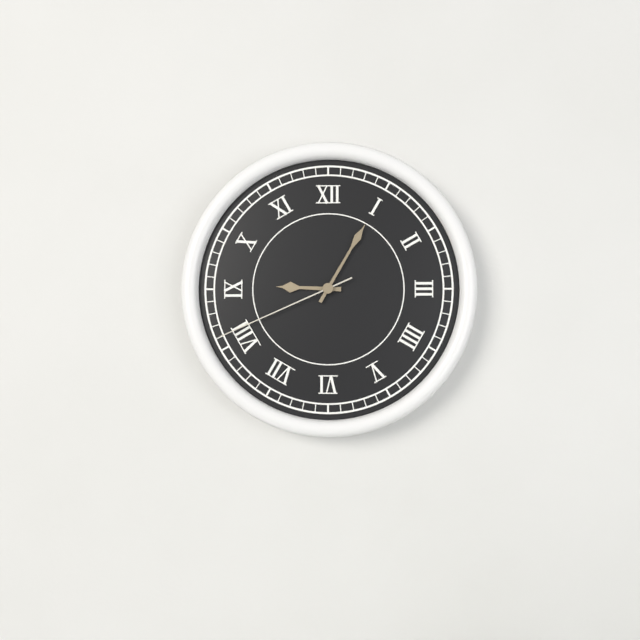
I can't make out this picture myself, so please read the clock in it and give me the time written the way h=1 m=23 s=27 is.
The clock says h=9 m=5 s=41
